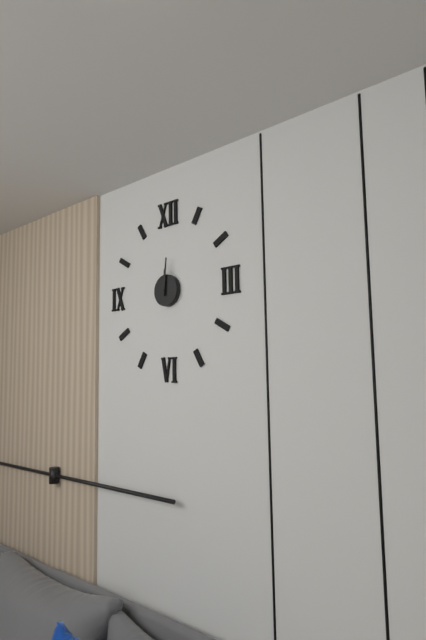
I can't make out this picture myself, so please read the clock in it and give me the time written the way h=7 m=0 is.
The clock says h=12 m=1
